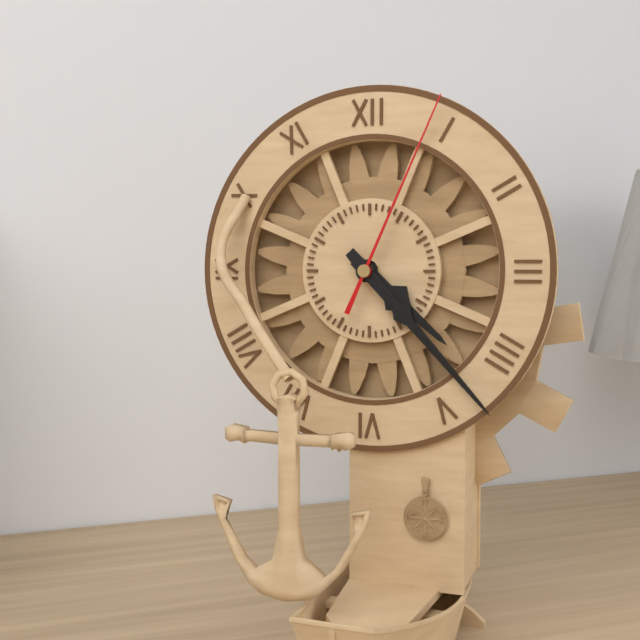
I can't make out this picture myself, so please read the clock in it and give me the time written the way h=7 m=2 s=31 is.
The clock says h=4 m=23 s=4
